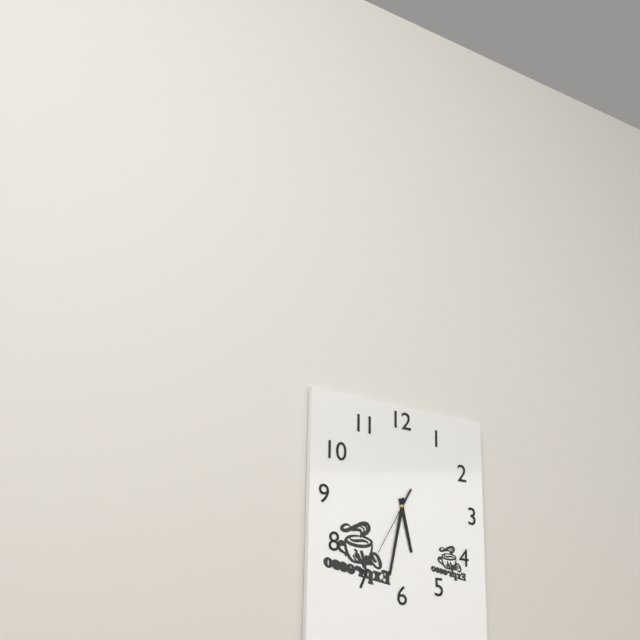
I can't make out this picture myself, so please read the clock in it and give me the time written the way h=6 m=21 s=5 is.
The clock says h=5 m=32 s=35
